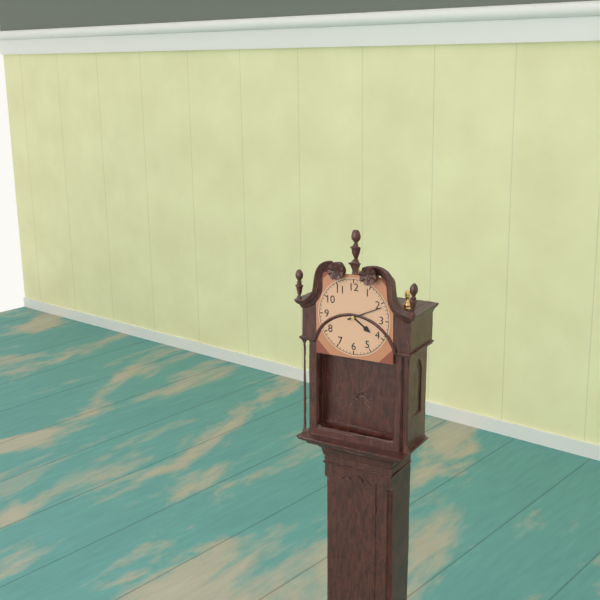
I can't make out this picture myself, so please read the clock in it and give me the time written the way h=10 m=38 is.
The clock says h=4 m=11
